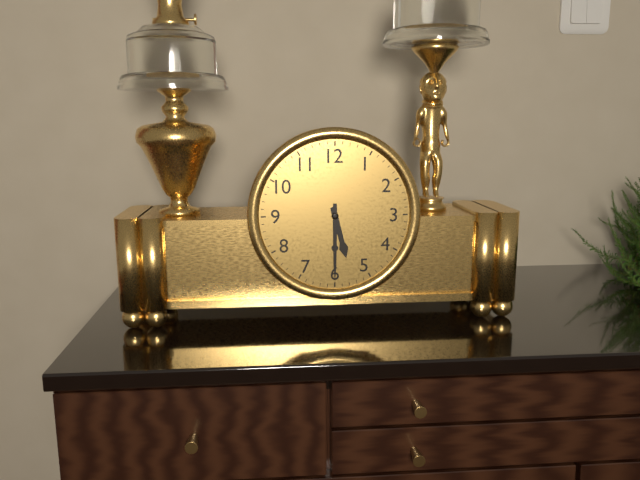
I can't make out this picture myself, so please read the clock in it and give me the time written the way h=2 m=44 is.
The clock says h=5 m=30
